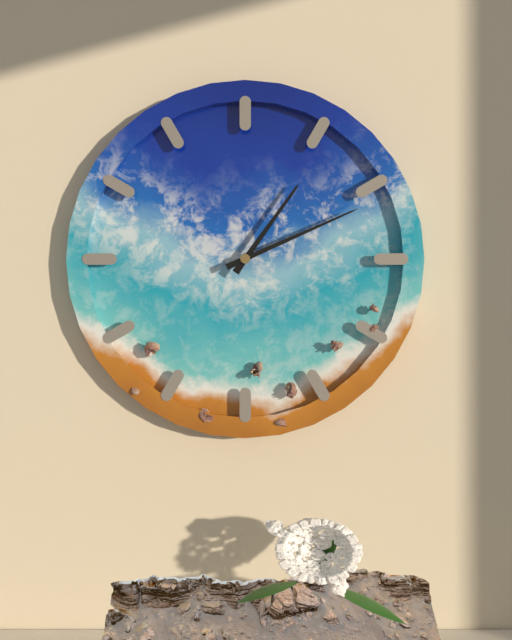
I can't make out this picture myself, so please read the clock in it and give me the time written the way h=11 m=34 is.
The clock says h=1 m=11
